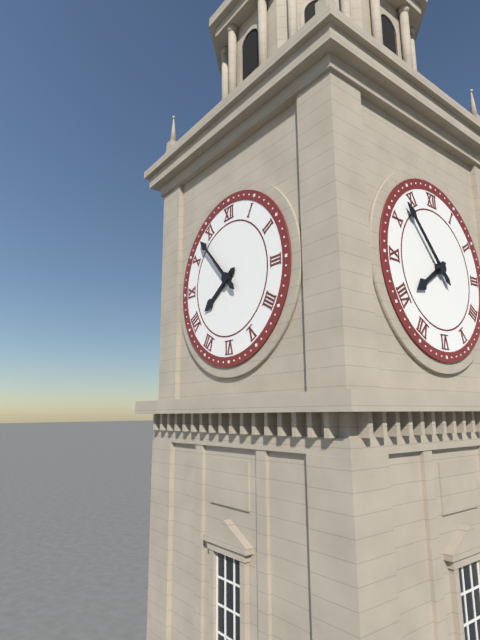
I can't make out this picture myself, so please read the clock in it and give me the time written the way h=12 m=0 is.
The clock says h=7 m=53
